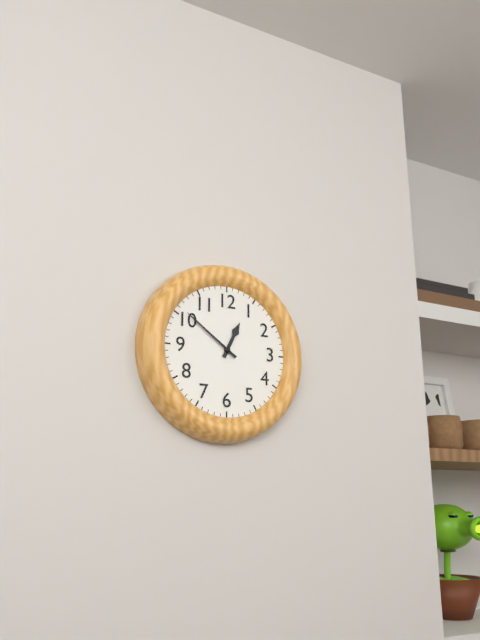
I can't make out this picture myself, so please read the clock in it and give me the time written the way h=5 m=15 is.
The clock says h=12 m=51
